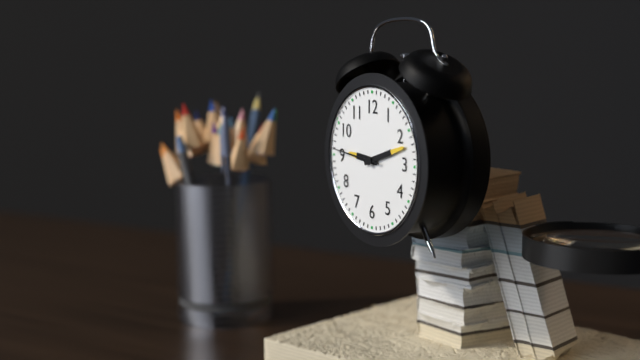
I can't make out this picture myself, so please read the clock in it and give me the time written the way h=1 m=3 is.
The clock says h=9 m=12
